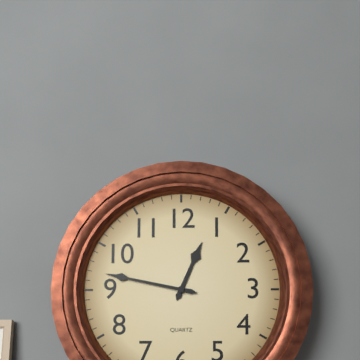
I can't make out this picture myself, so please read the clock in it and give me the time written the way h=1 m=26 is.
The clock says h=12 m=47
